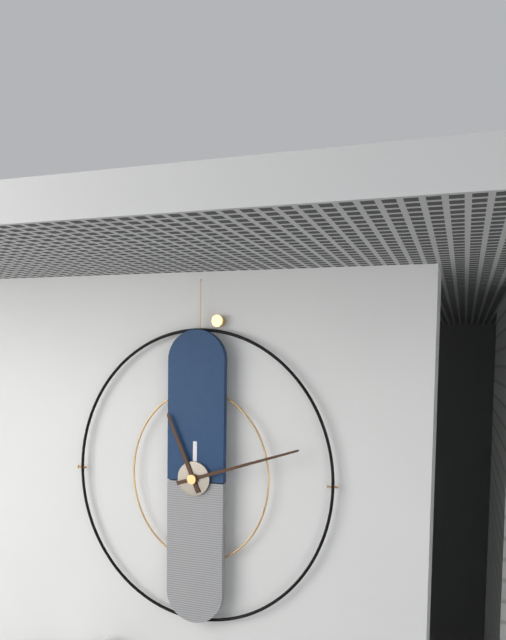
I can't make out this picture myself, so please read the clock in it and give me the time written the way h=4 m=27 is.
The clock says h=11 m=12
